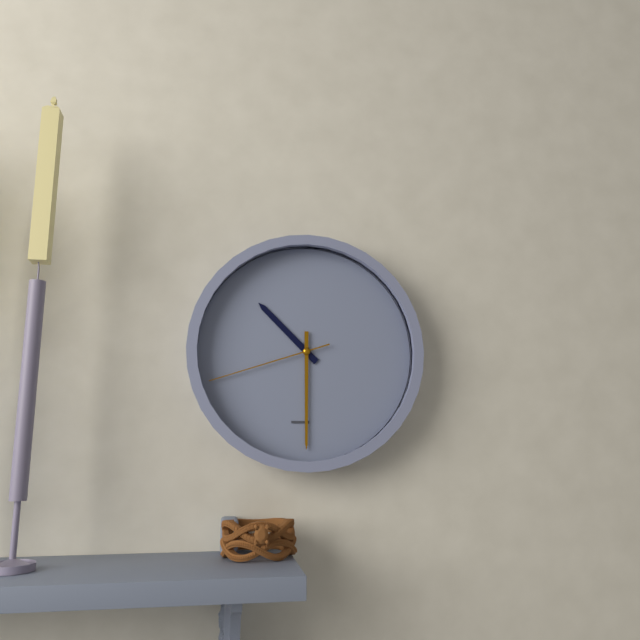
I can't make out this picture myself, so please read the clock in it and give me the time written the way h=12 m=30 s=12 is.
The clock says h=10 m=30 s=42
